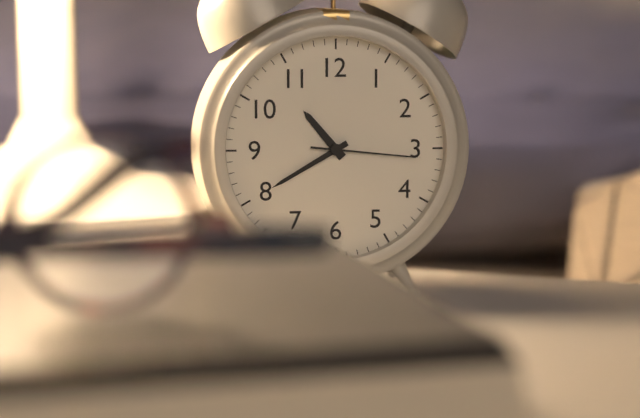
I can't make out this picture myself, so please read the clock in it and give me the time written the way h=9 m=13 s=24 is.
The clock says h=10 m=40 s=16
